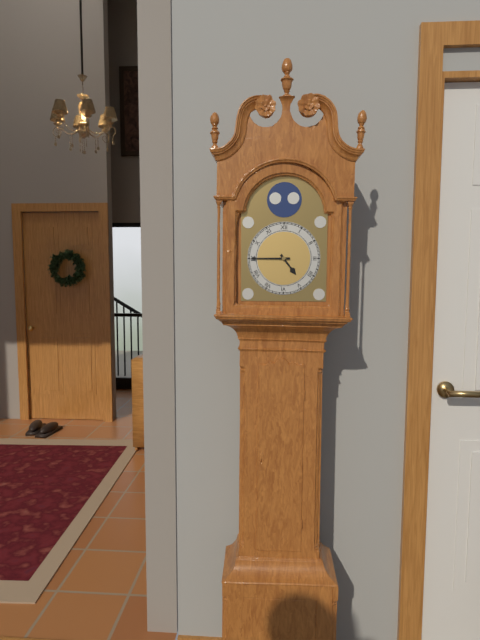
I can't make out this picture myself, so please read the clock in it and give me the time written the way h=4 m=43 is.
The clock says h=4 m=45
